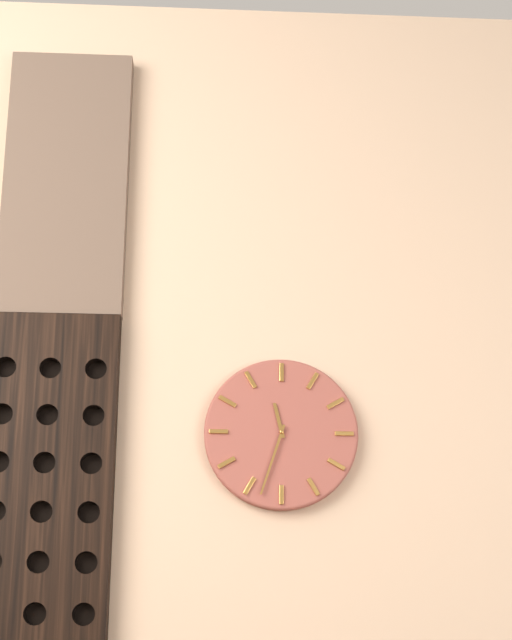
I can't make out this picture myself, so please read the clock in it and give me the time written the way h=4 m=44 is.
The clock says h=11 m=33
